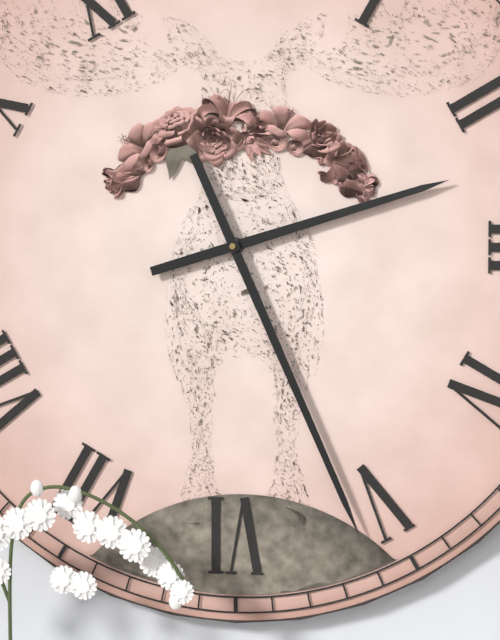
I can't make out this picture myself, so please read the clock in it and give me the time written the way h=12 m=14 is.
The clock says h=2 m=26
